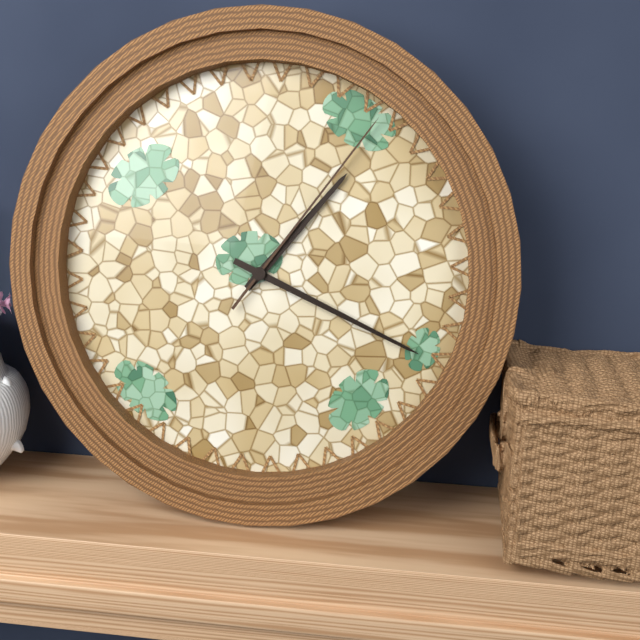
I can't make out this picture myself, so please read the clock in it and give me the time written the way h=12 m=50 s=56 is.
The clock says h=1 m=19 s=6
